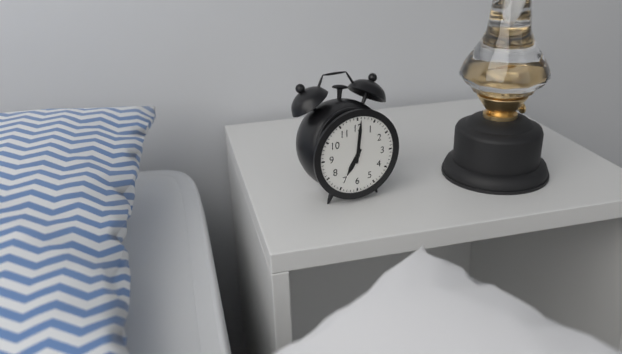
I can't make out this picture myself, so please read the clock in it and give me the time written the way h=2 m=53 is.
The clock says h=7 m=1
